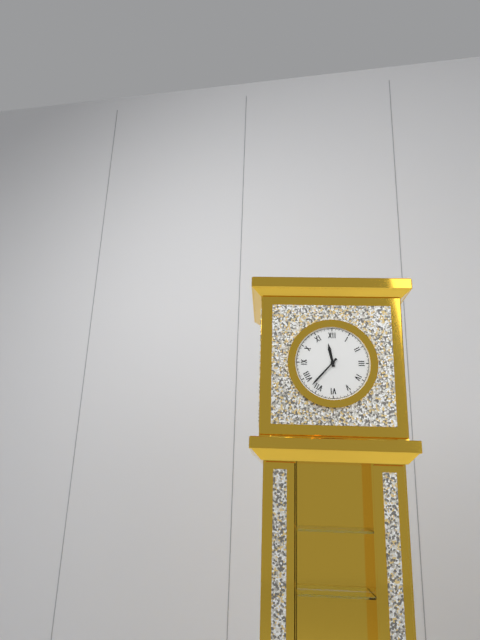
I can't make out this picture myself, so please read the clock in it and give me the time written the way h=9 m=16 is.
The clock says h=11 m=37
